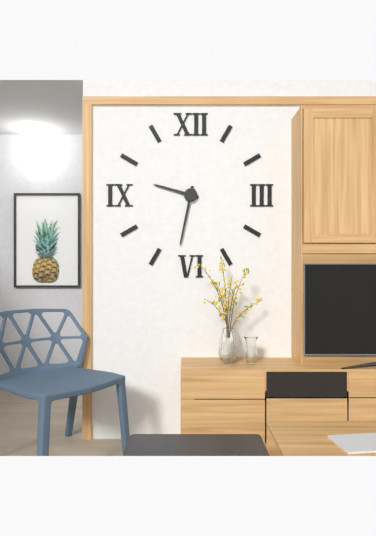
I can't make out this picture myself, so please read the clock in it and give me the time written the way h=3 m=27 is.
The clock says h=9 m=32
